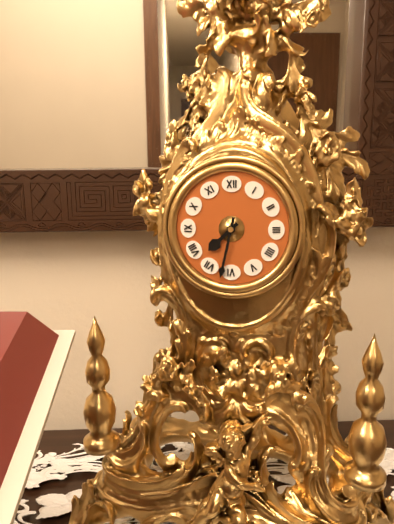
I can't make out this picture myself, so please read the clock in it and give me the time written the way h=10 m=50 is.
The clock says h=7 m=32
